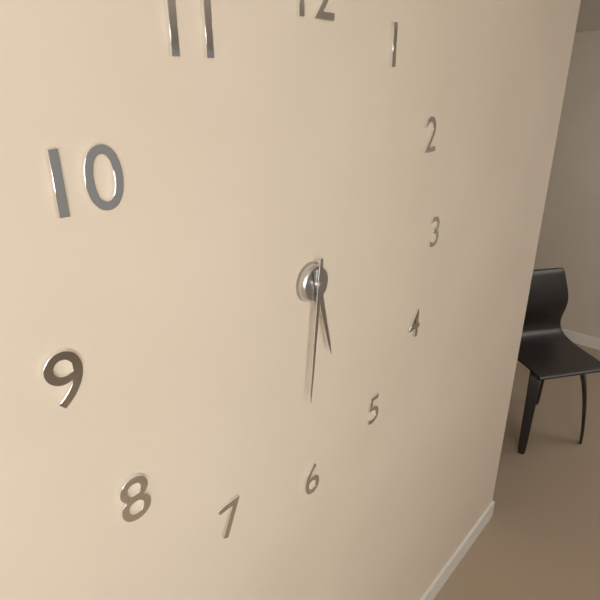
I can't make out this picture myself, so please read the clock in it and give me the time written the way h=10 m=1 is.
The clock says h=5 m=31
